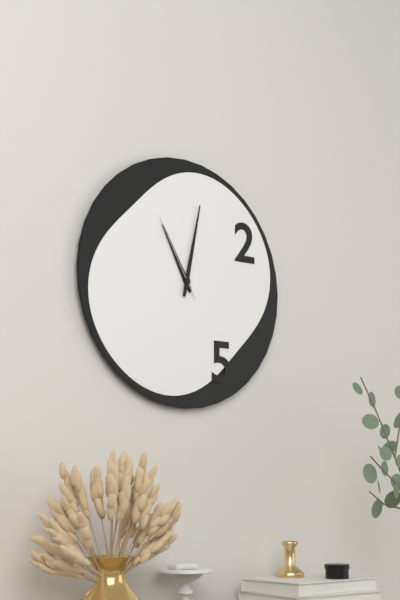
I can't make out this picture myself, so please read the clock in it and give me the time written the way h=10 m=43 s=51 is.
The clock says h=11 m=2 s=55
